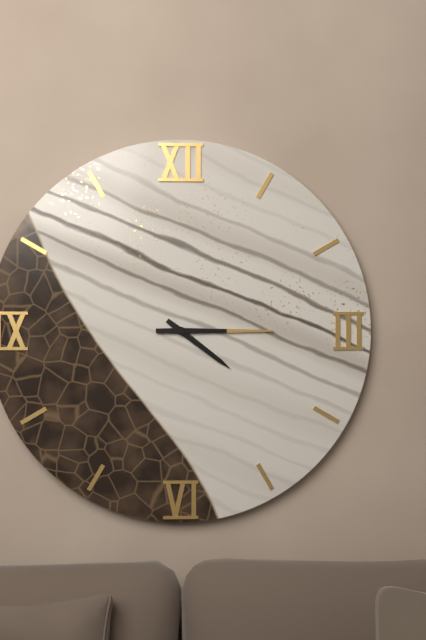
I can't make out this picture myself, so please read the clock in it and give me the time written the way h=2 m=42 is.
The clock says h=4 m=15
